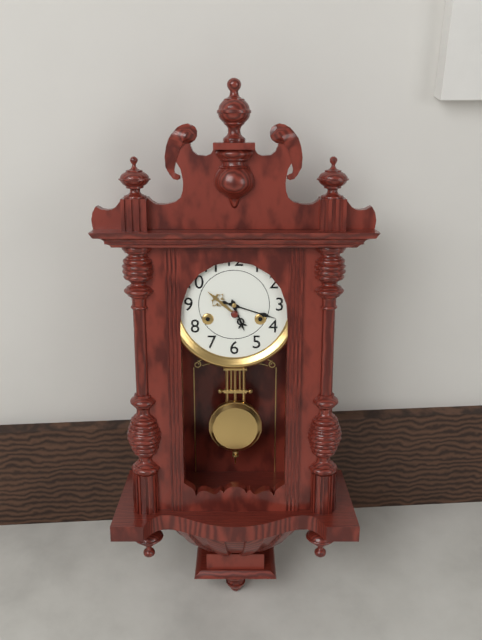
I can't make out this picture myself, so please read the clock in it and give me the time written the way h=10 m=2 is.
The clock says h=5 m=18
